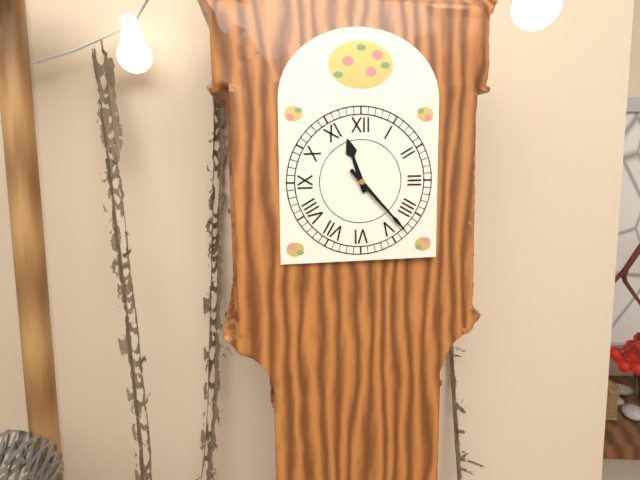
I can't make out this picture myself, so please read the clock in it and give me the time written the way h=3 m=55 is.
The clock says h=11 m=23
